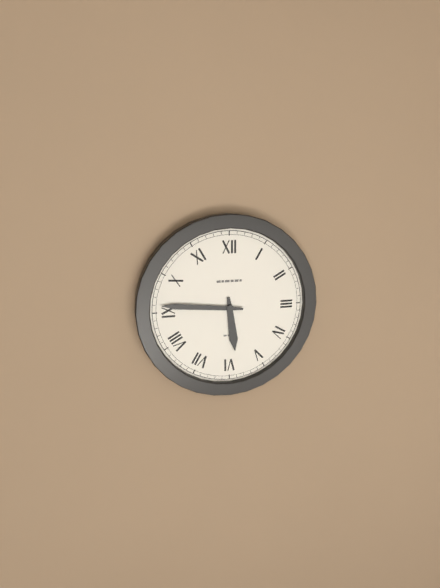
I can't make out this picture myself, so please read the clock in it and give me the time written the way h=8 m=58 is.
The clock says h=5 m=46
